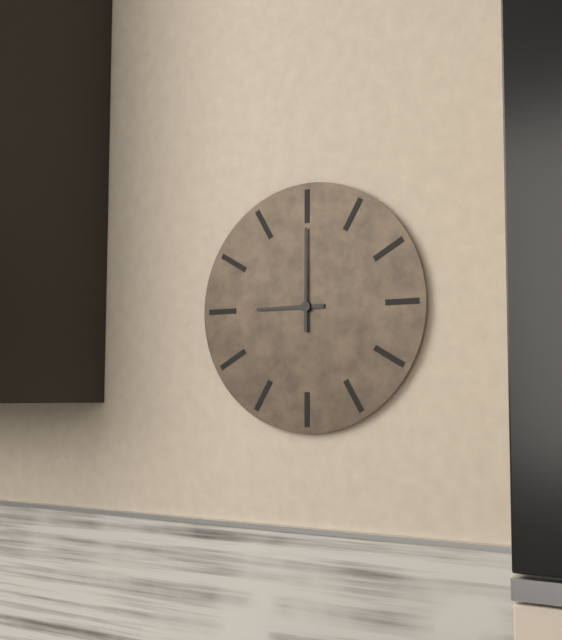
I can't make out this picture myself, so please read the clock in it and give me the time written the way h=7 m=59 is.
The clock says h=9 m=0
